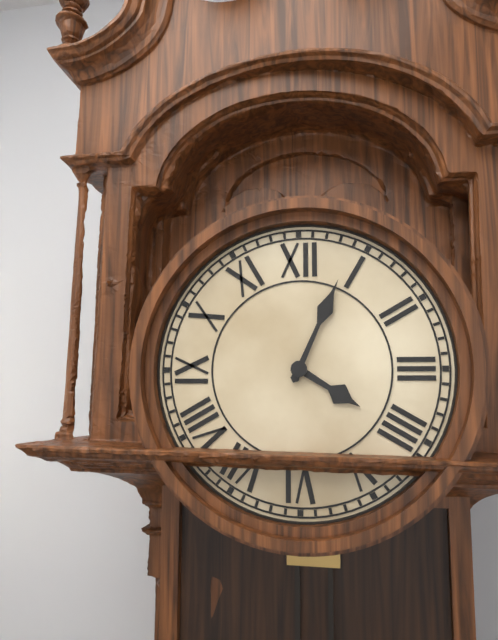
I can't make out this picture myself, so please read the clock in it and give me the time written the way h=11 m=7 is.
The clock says h=4 m=4
